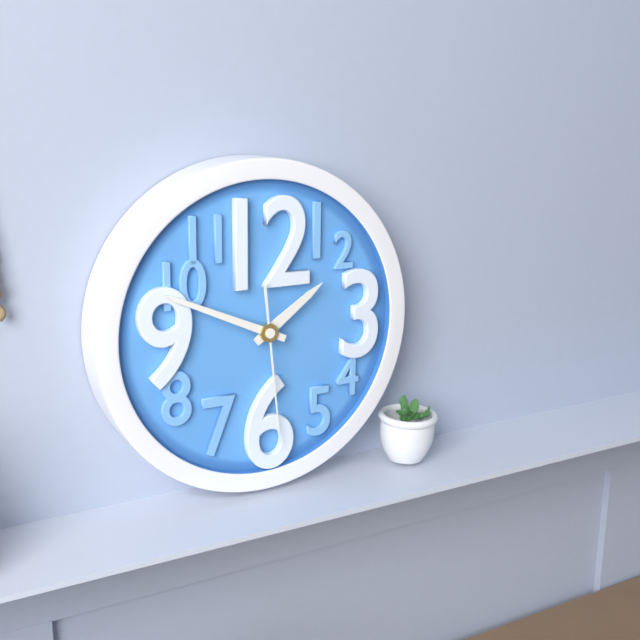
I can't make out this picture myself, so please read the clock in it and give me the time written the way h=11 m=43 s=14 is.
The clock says h=1 m=49 s=29
